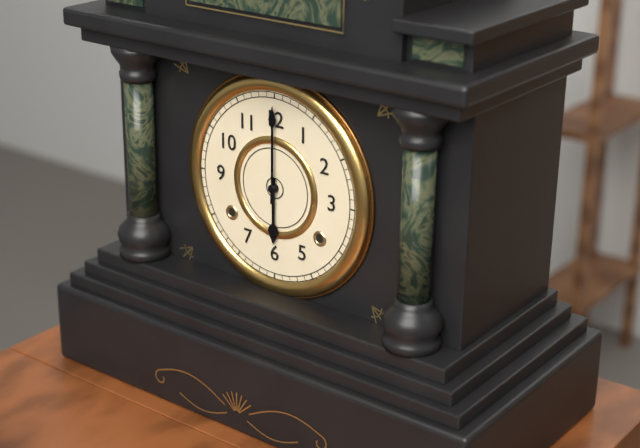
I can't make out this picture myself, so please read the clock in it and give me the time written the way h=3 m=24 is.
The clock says h=6 m=0
